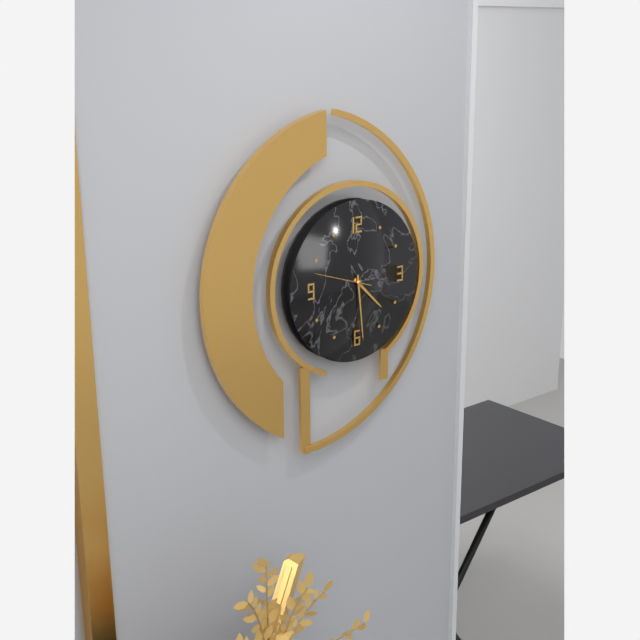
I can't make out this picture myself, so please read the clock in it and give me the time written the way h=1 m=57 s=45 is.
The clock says h=4 m=29 s=48
